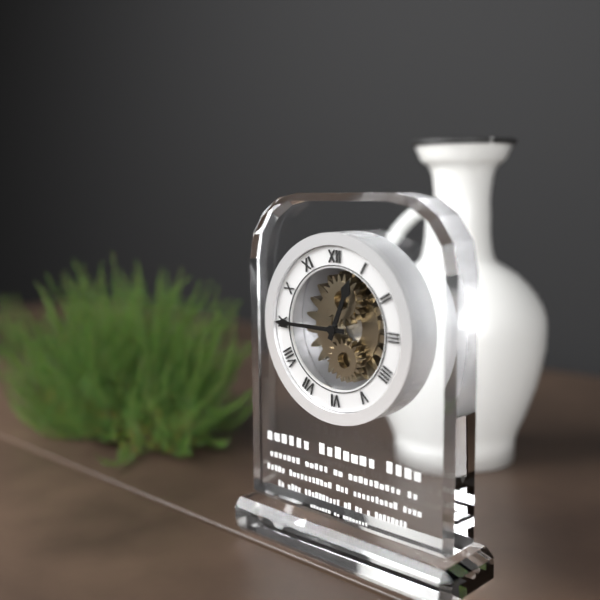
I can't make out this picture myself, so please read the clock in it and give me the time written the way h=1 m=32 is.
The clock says h=12 m=45
